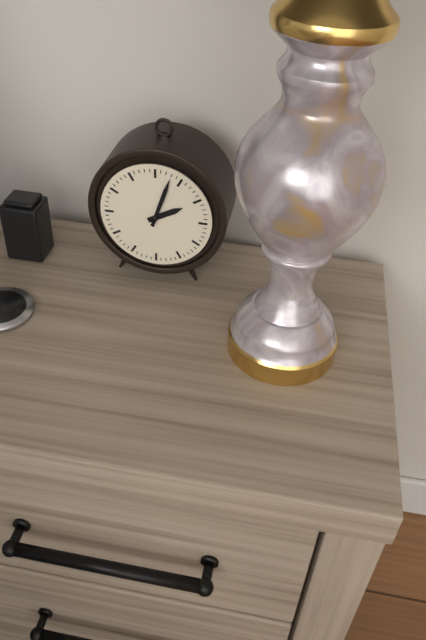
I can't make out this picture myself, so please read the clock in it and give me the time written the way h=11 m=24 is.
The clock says h=2 m=3
